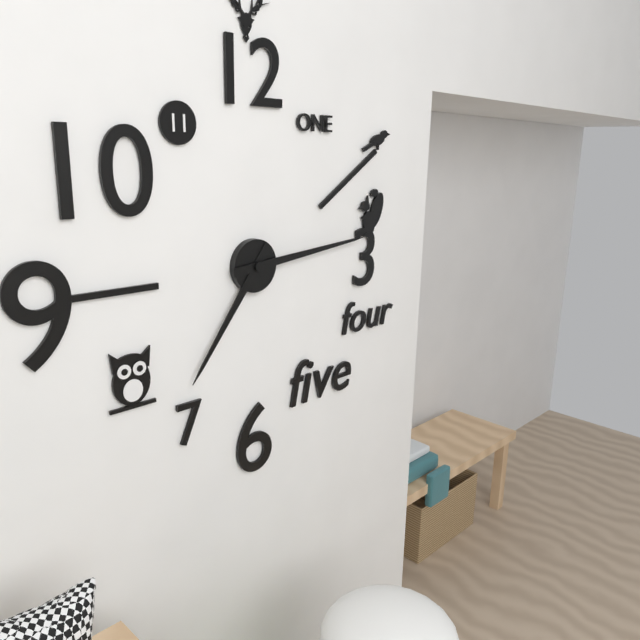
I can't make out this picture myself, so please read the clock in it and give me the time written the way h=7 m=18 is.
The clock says h=7 m=14
